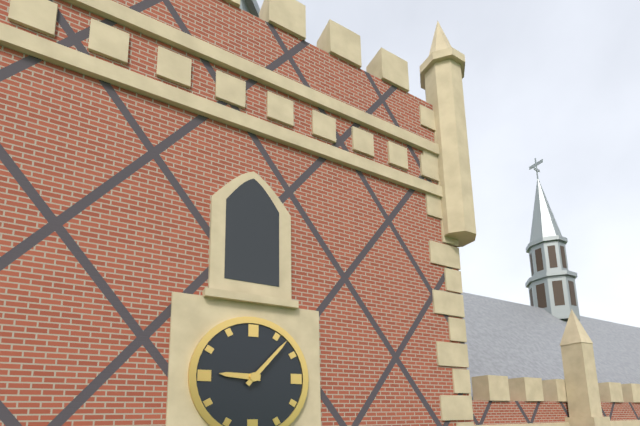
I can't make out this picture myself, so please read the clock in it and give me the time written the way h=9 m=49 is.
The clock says h=9 m=7
